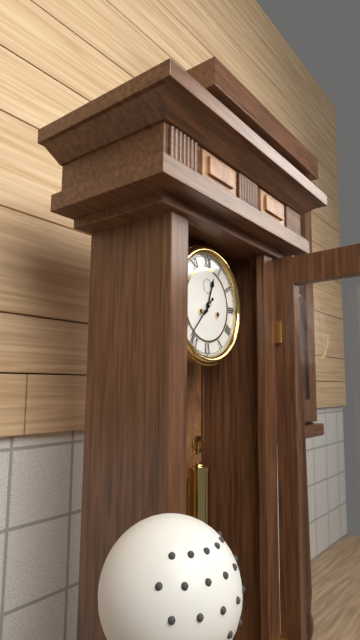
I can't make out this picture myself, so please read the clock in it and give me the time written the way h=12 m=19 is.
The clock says h=12 m=37
